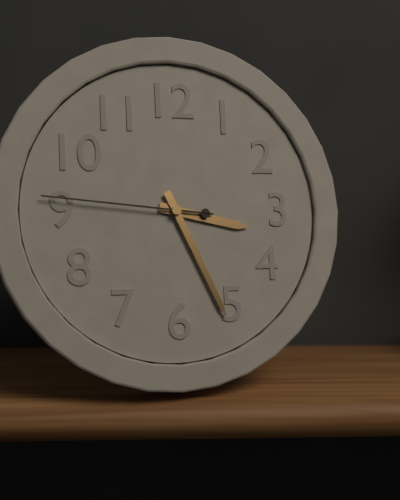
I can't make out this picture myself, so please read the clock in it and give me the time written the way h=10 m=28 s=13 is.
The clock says h=3 m=26 s=46
